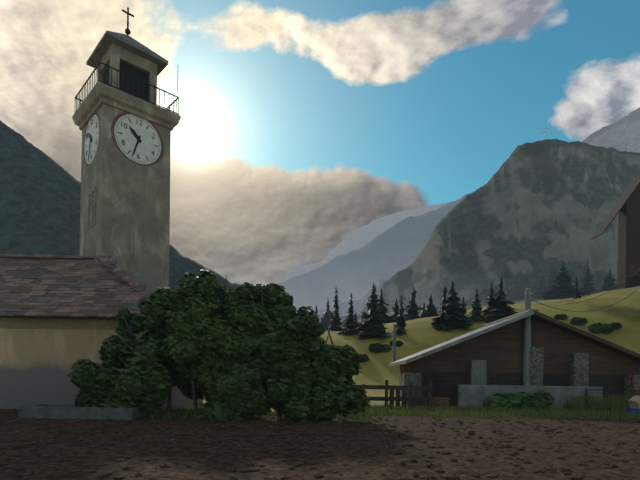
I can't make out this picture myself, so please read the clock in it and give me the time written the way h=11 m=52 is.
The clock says h=10 m=33
